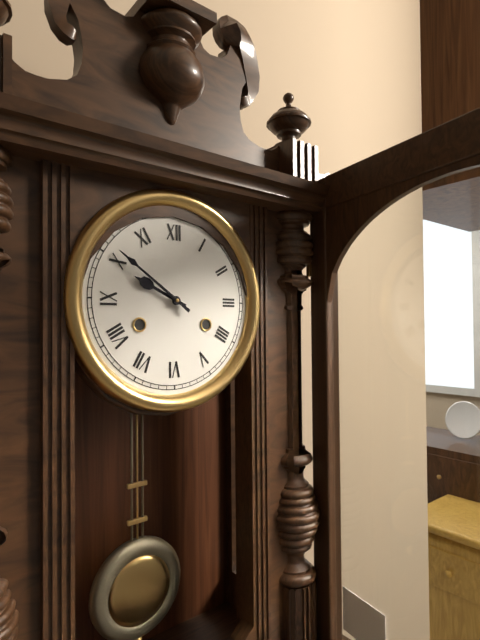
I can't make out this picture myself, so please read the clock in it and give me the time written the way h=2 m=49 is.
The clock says h=9 m=51
